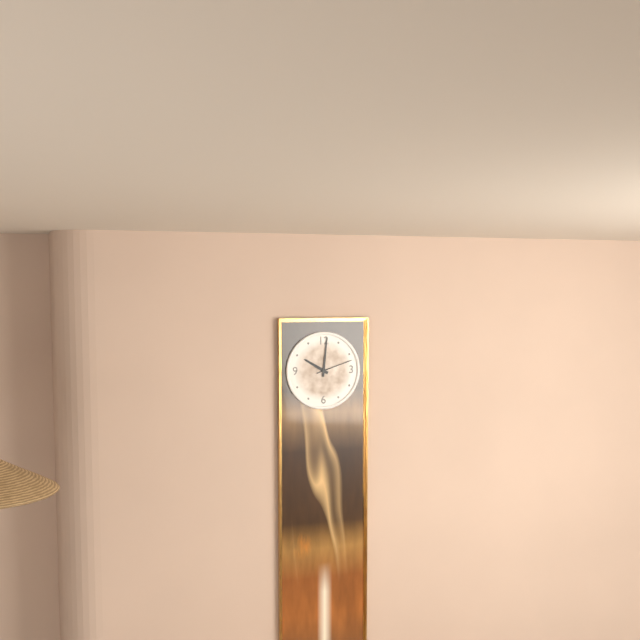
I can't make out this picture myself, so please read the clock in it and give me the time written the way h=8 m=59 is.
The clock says h=10 m=1
